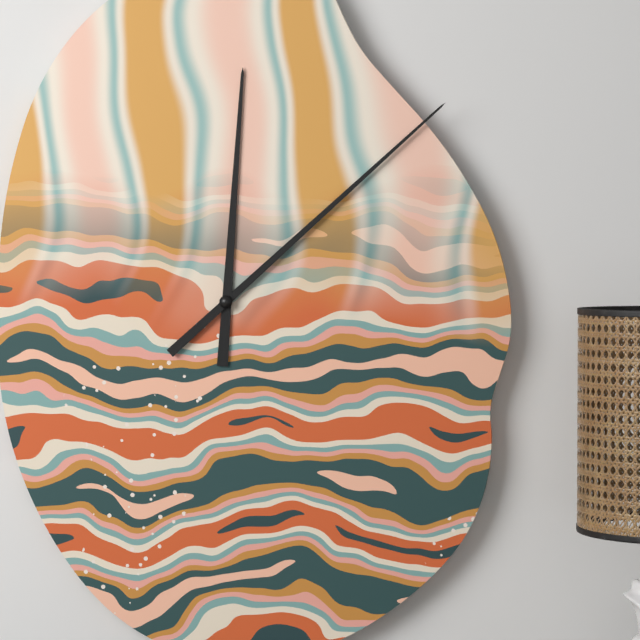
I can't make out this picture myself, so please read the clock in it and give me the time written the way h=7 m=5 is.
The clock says h=12 m=8
